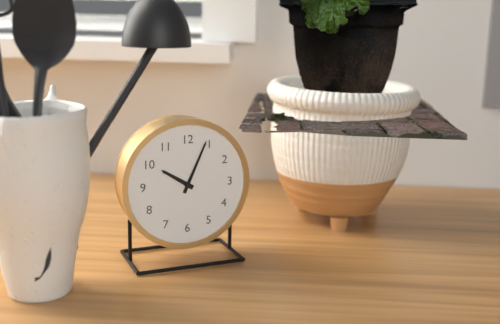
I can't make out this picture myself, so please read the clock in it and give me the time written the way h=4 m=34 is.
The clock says h=10 m=4
